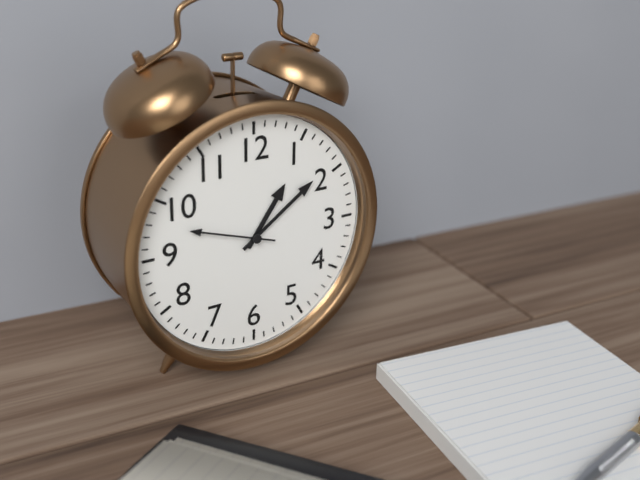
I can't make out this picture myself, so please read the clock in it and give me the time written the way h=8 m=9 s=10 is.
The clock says h=1 m=9 s=48
